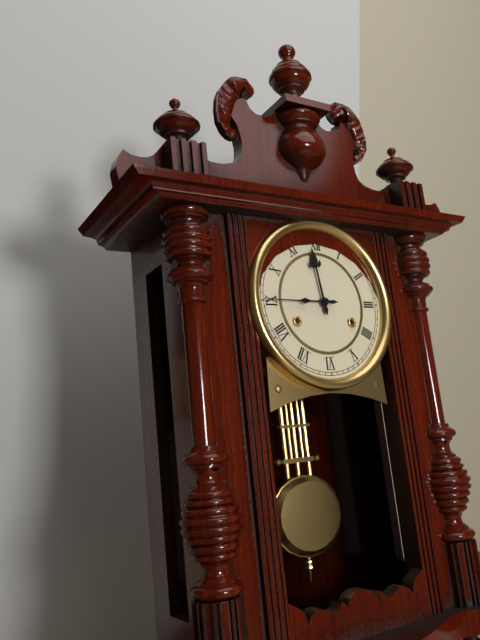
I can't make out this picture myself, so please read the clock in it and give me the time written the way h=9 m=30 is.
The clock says h=11 m=45
